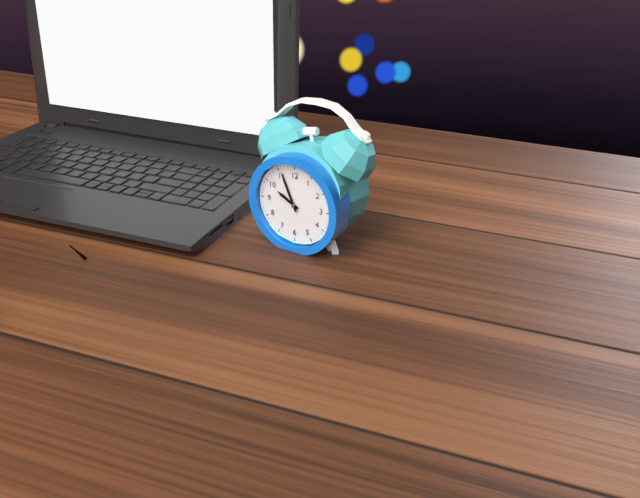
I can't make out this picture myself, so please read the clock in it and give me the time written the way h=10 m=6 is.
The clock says h=9 m=56
